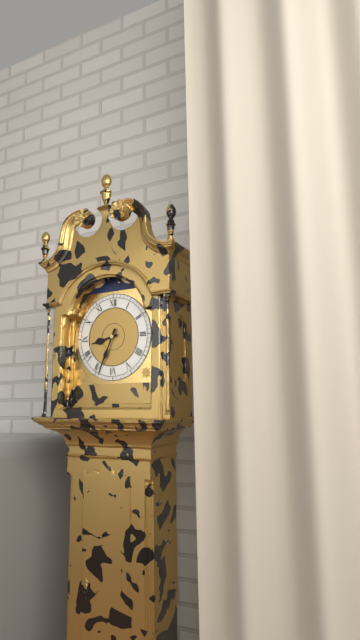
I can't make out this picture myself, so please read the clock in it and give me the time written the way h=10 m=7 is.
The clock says h=8 m=34
